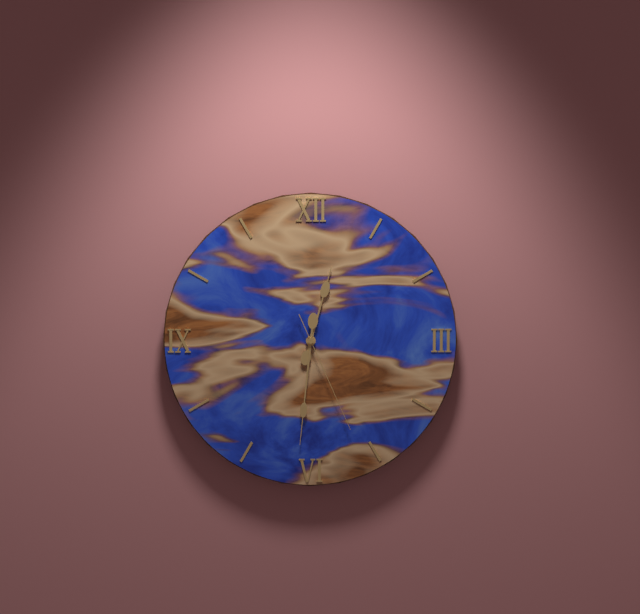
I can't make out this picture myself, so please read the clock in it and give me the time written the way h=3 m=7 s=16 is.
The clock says h=12 m=31 s=26
